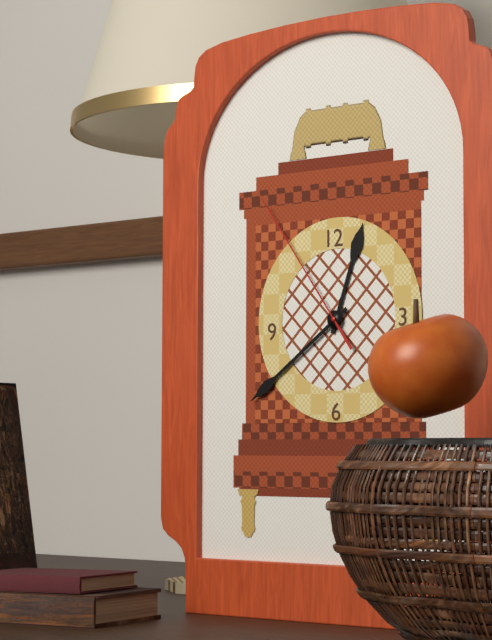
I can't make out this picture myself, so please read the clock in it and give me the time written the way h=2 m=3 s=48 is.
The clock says h=12 m=39 s=54
